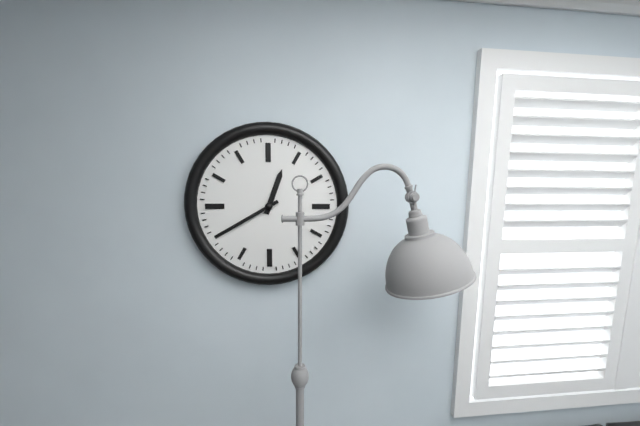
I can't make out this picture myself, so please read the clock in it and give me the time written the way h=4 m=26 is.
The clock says h=12 m=40
